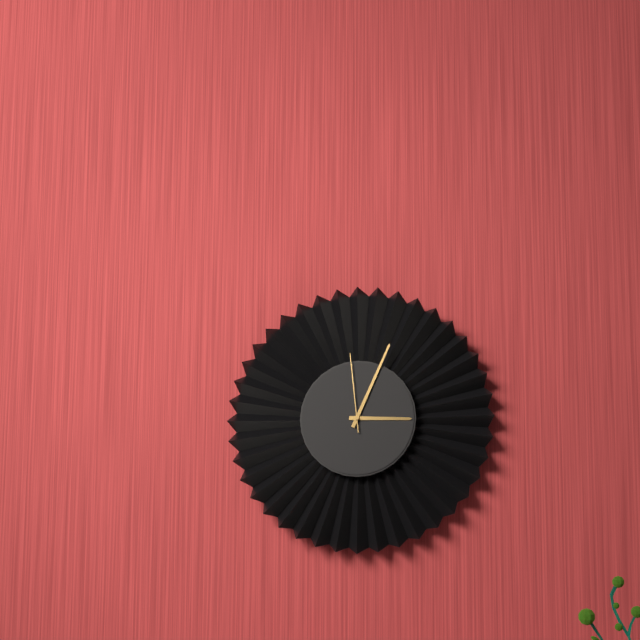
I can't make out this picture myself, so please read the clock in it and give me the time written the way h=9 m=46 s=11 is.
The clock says h=3 m=4 s=59
